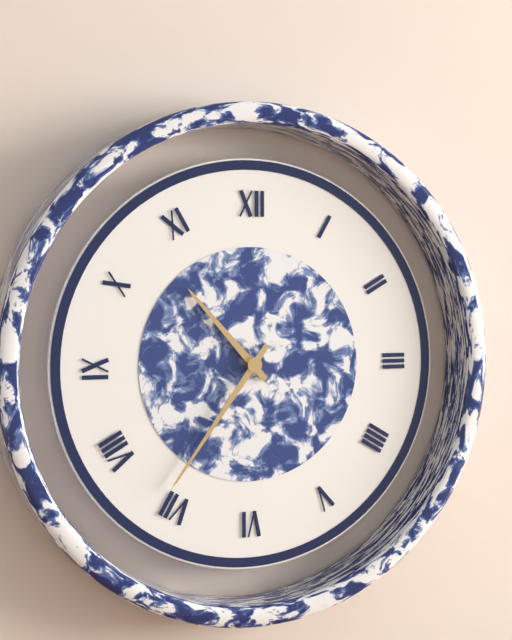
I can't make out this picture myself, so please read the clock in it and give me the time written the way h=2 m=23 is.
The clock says h=10 m=36
